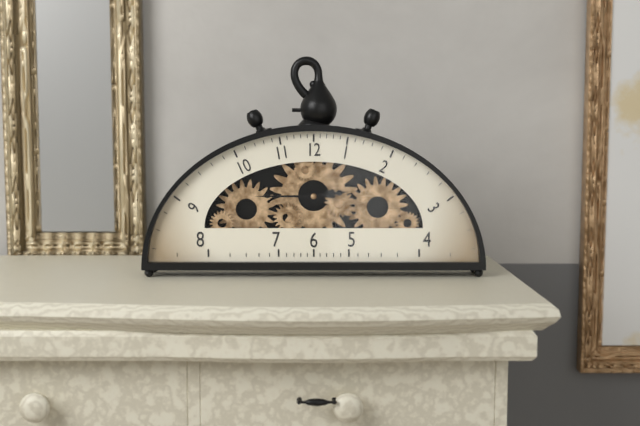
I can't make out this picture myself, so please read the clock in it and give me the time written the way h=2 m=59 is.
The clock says h=2 m=45
